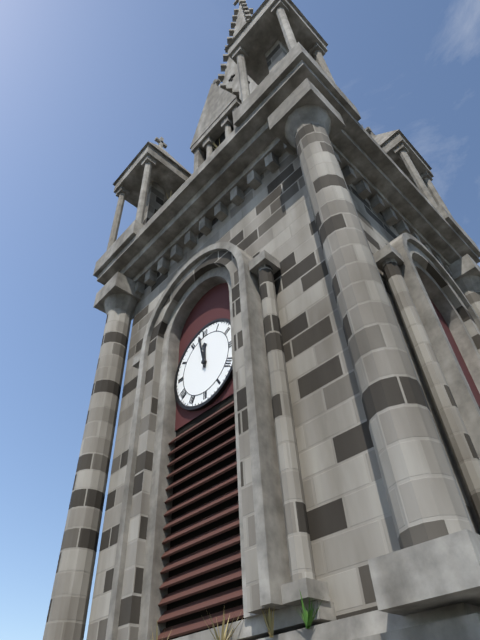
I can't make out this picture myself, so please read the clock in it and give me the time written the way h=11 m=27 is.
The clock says h=11 m=58
